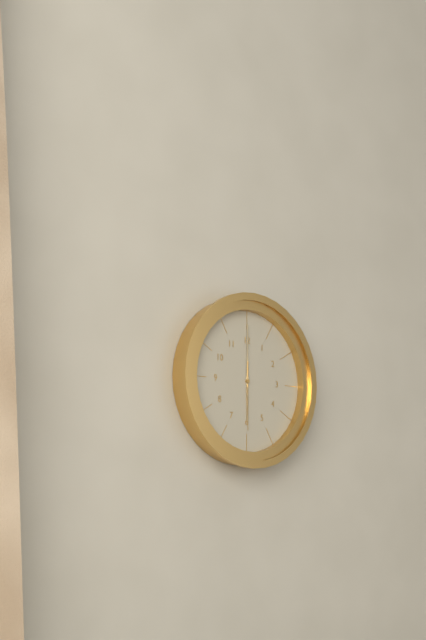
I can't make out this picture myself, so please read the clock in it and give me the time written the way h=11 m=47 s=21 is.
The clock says h=6 m=0 s=30
